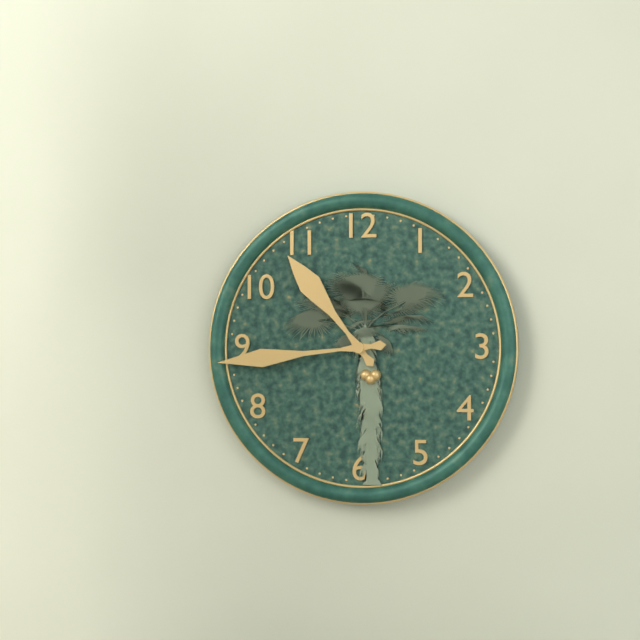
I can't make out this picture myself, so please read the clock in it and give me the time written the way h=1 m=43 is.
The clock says h=10 m=44
